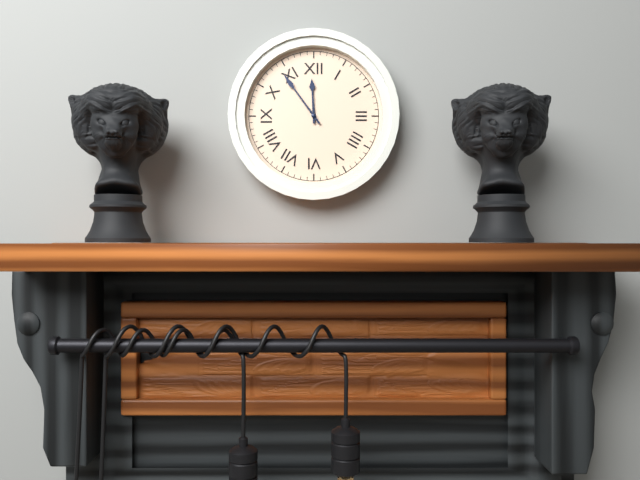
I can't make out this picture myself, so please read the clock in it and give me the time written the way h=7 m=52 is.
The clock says h=11 m=54
